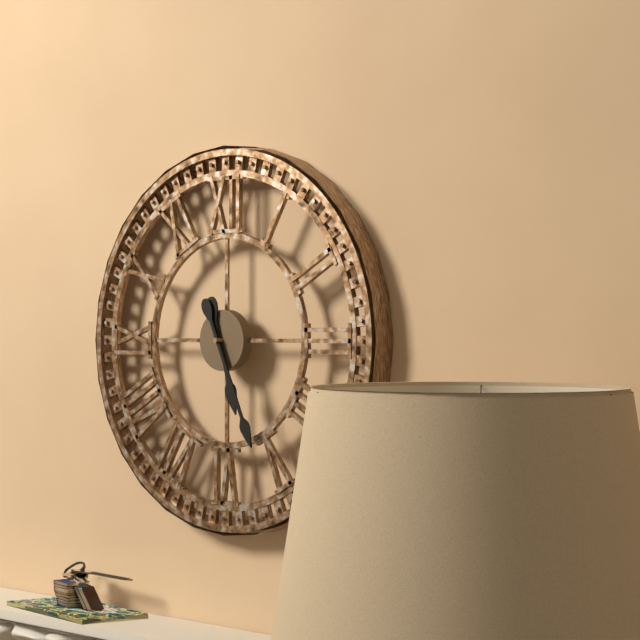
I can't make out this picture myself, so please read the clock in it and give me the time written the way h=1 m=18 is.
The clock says h=5 m=26
